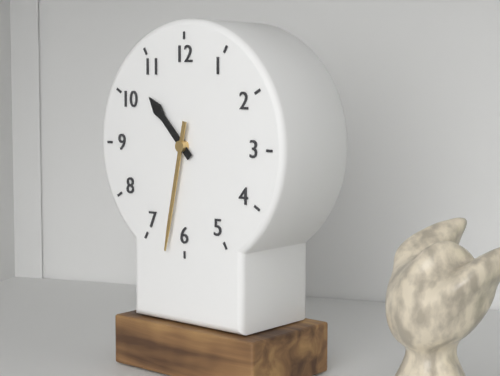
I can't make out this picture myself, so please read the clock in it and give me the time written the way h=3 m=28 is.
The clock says h=10 m=32
